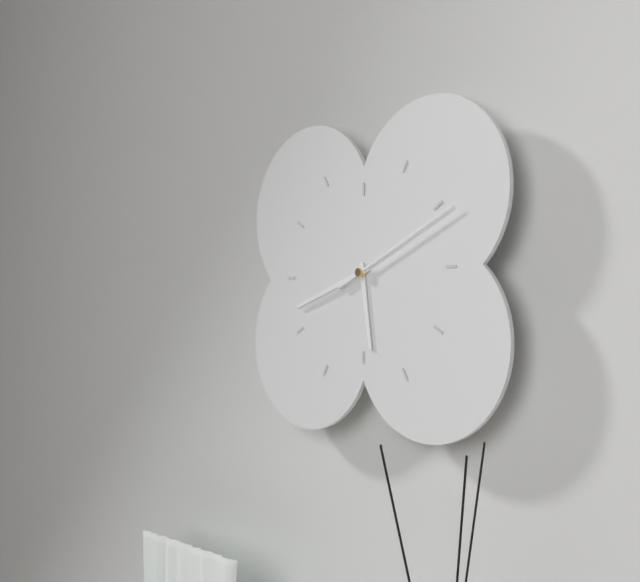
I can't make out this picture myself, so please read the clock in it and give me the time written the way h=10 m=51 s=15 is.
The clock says h=5 m=42 s=11
